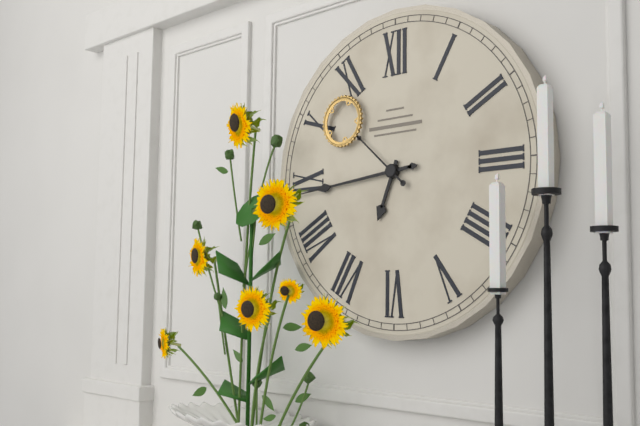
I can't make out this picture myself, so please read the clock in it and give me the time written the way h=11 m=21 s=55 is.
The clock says h=6 m=44 s=52
